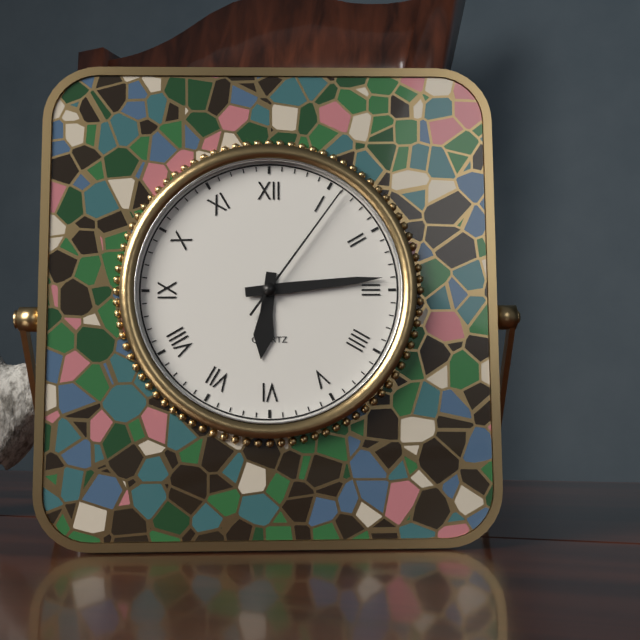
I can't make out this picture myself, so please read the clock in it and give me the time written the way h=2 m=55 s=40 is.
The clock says h=6 m=14 s=6
